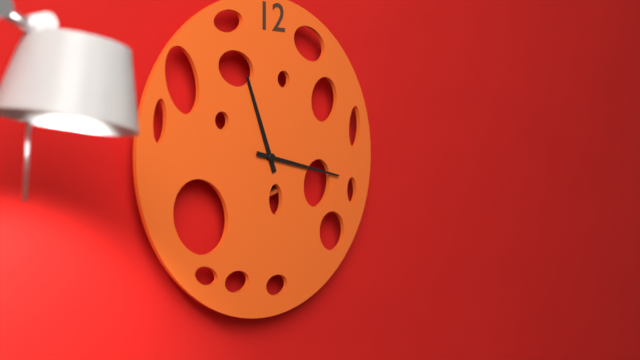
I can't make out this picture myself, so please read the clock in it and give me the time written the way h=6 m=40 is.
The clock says h=11 m=17
